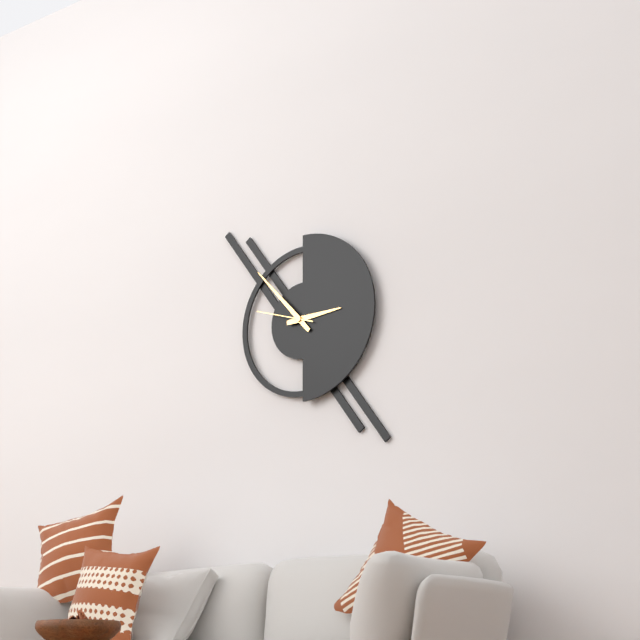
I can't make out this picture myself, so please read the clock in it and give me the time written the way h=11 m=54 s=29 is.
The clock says h=2 m=53 s=48
